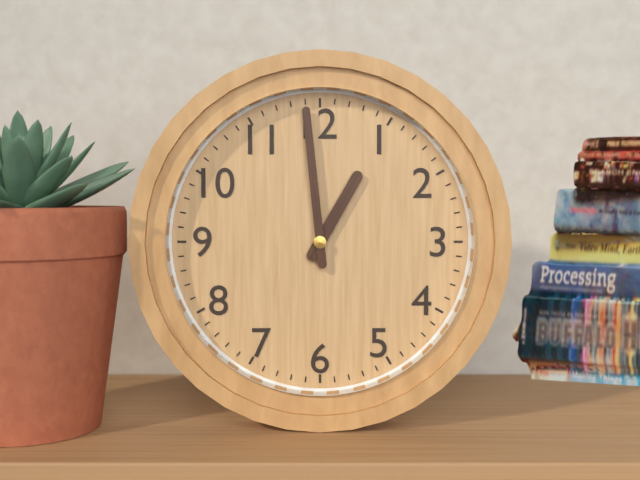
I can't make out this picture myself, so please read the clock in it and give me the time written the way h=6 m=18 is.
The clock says h=12 m=59
